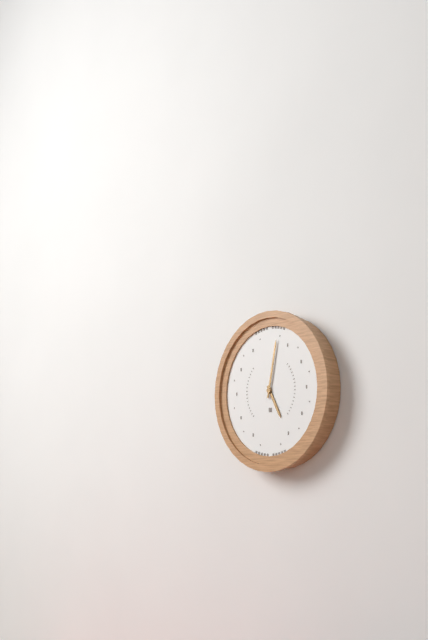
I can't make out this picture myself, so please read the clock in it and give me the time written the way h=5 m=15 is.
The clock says h=5 m=2
